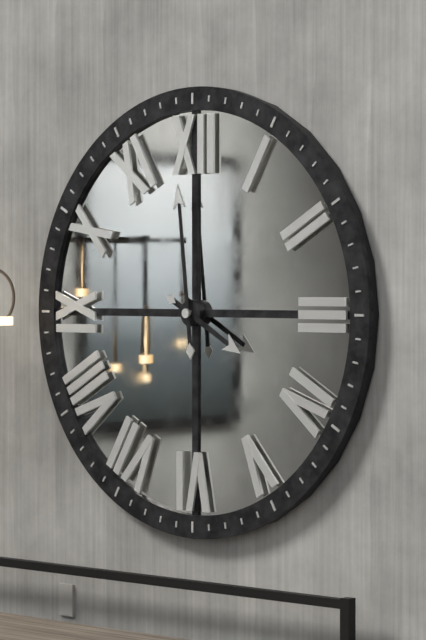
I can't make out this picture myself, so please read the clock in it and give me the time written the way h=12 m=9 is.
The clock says h=3 m=59
